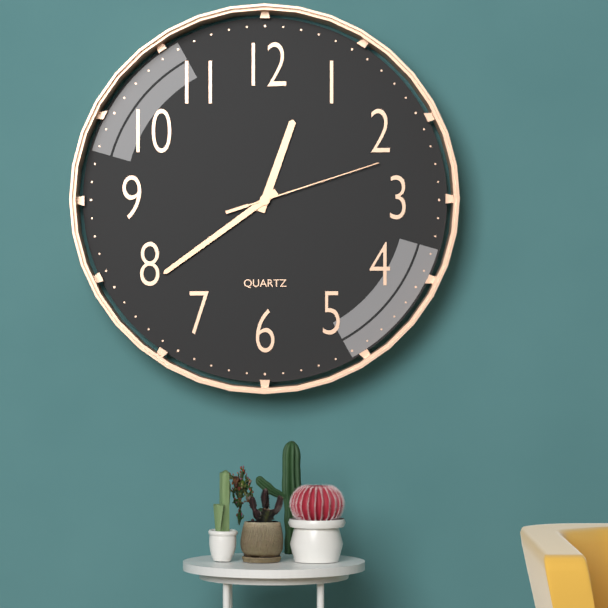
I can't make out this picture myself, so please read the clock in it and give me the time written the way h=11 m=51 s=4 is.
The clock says h=12 m=39 s=12
